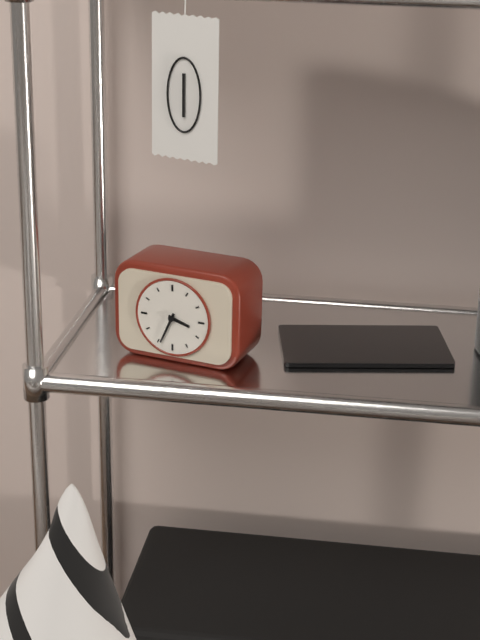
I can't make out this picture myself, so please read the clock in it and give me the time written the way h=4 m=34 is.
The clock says h=3 m=34
